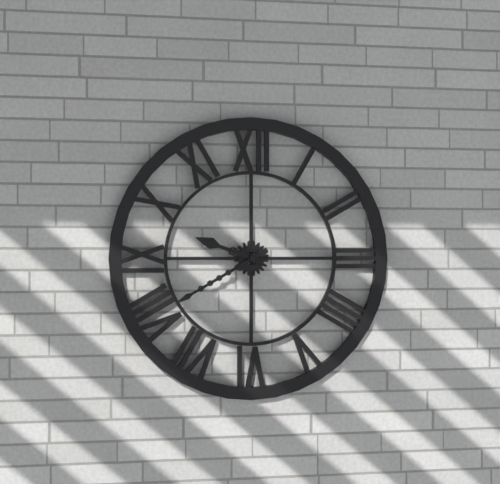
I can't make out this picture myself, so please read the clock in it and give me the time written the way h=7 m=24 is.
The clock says h=9 m=40
